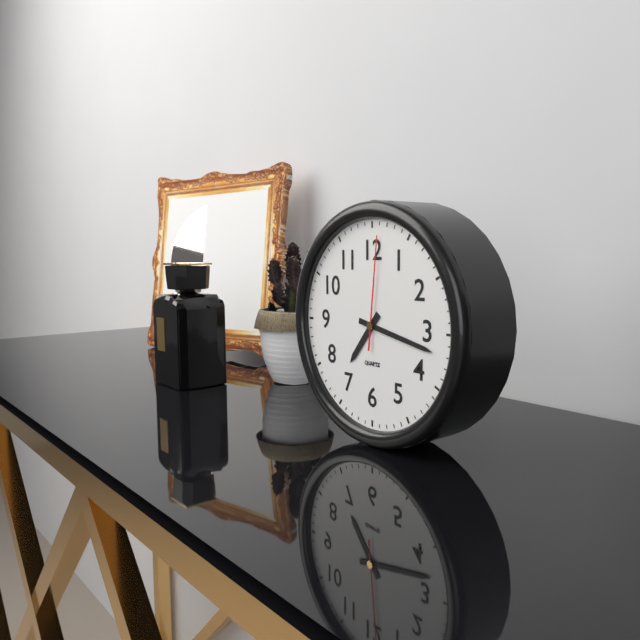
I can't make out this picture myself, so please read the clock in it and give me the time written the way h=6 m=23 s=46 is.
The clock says h=7 m=17 s=1
